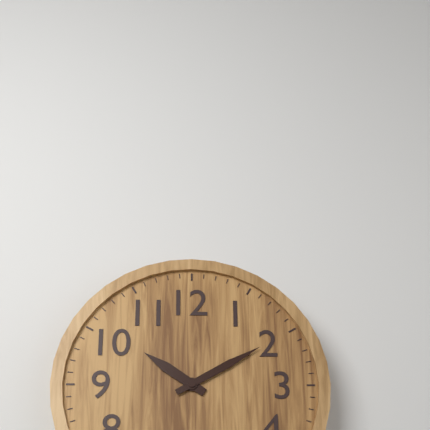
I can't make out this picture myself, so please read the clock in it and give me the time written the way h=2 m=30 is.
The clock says h=10 m=10
